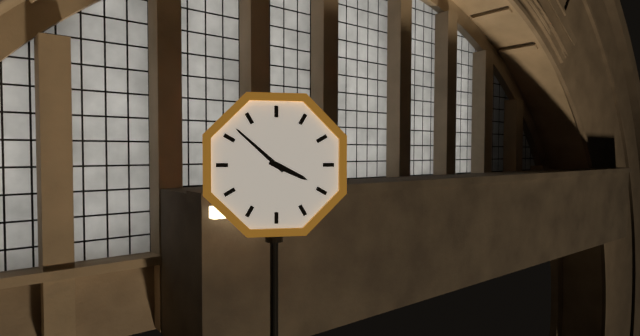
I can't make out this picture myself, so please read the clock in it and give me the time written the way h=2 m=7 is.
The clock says h=3 m=52
